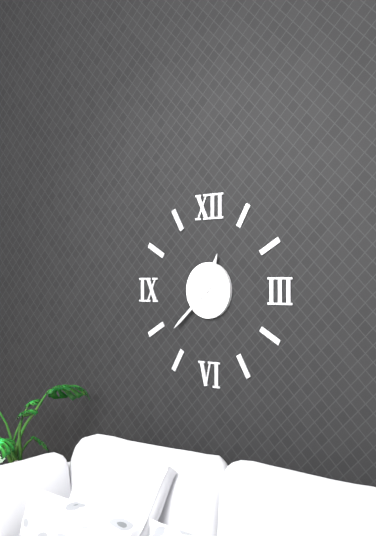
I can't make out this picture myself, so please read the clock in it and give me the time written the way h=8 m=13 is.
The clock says h=12 m=38
